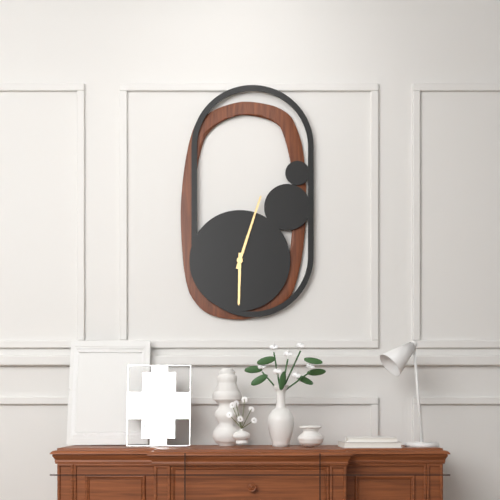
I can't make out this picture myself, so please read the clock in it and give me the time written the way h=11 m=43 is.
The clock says h=6 m=3
